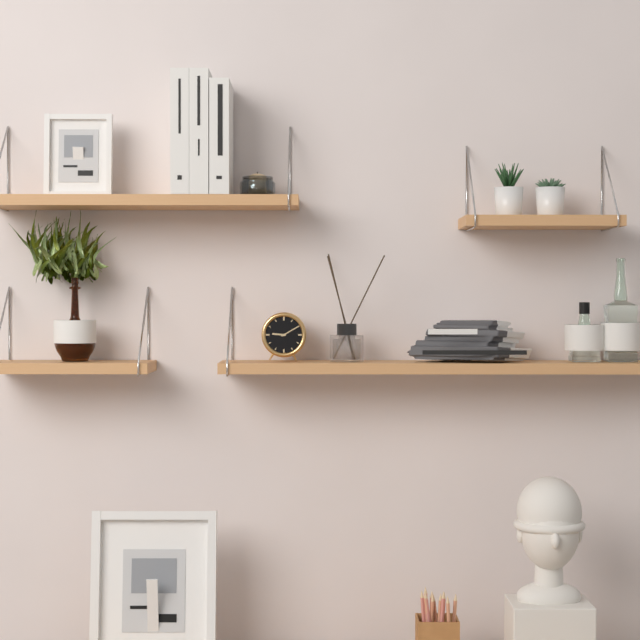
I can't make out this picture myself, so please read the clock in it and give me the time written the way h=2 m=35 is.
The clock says h=9 m=10
